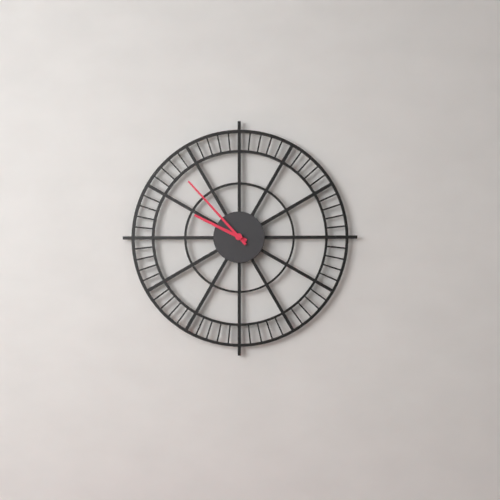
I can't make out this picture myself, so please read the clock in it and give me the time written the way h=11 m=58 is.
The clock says h=9 m=53
